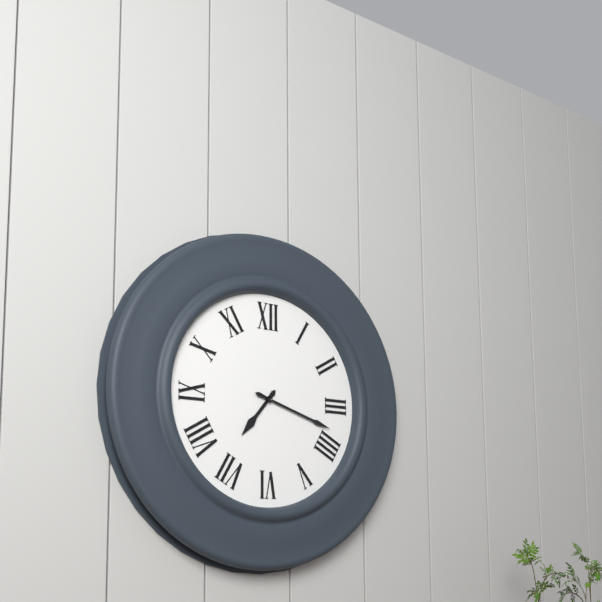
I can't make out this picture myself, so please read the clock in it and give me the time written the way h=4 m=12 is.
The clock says h=7 m=18
